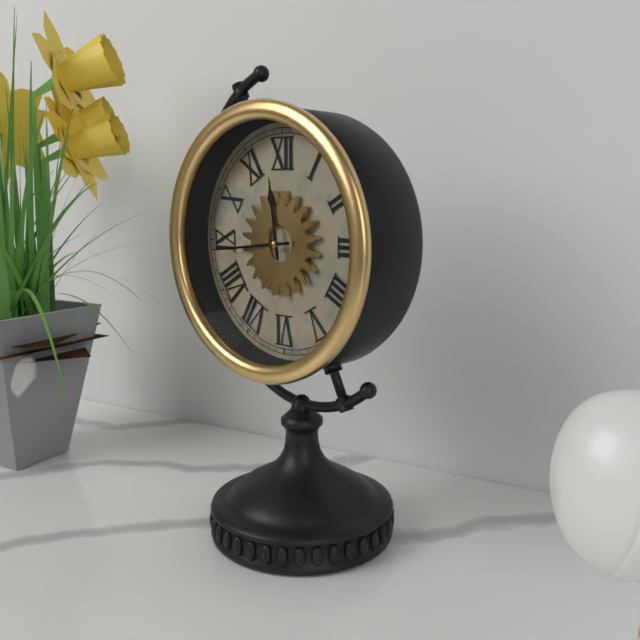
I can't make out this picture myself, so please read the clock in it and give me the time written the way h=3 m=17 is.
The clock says h=11 m=44
